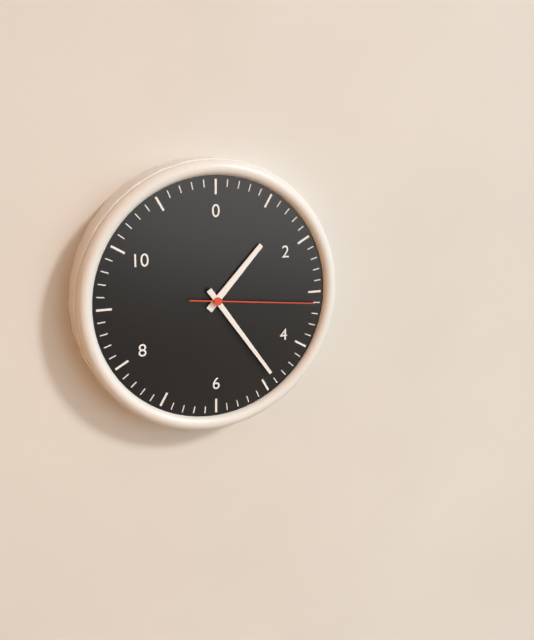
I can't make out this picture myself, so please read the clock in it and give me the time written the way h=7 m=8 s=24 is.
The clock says h=1 m=24 s=16
